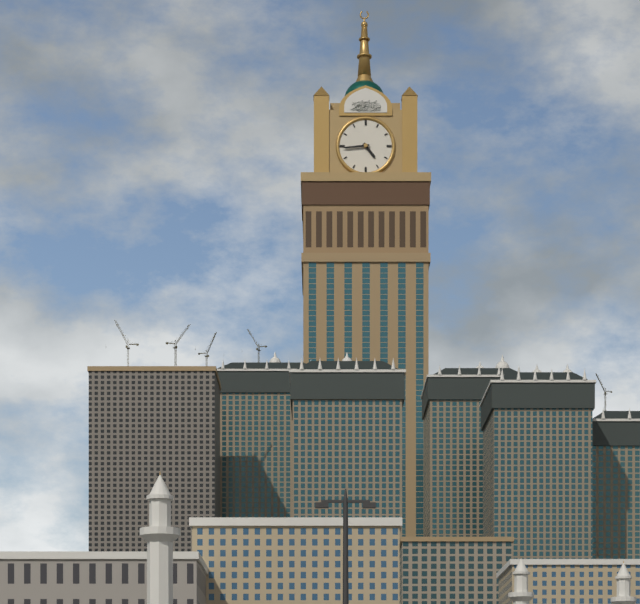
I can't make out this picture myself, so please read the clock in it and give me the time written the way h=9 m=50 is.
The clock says h=4 m=44
